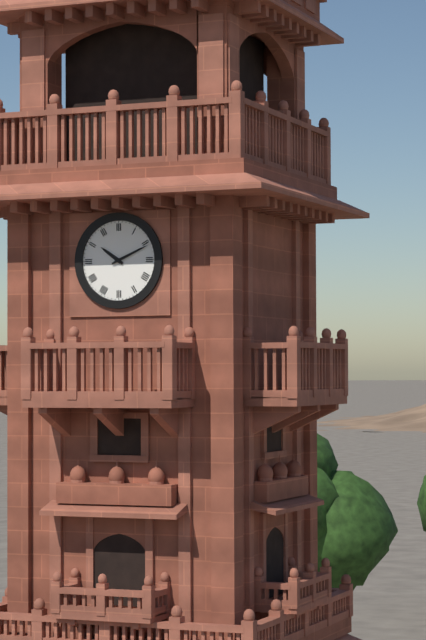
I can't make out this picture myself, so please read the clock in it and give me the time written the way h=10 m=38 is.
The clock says h=10 m=11
